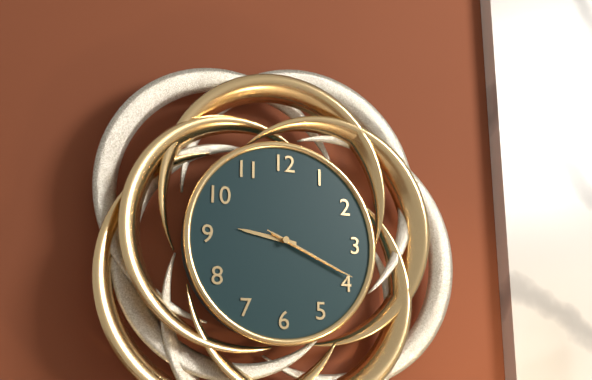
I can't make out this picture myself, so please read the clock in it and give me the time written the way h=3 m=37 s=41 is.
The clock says h=9 m=19 s=19
